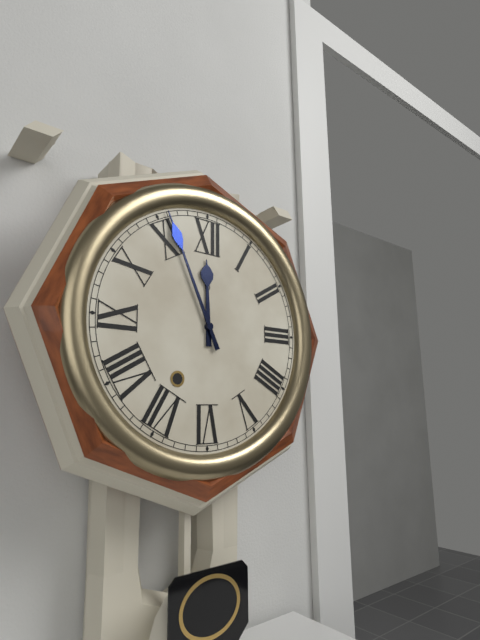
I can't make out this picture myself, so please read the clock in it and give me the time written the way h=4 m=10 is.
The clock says h=11 m=56
